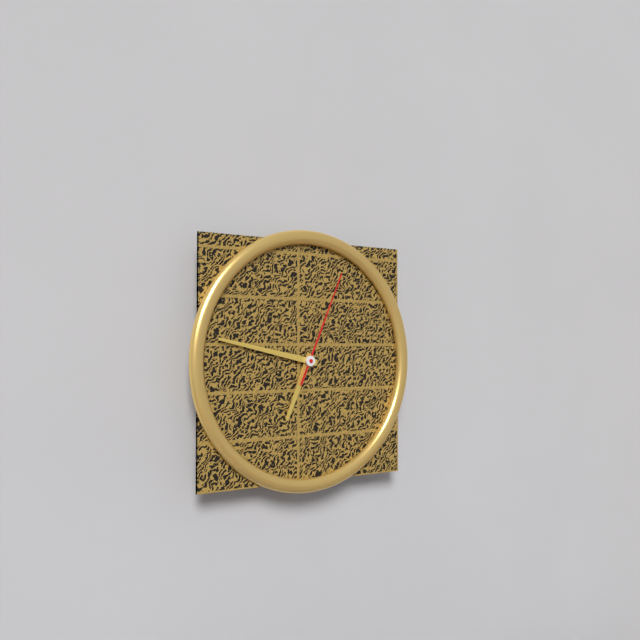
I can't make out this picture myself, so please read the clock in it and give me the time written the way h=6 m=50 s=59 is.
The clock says h=6 m=47 s=4
